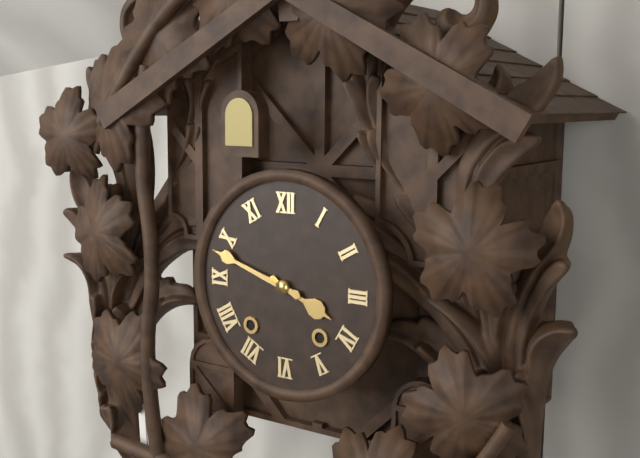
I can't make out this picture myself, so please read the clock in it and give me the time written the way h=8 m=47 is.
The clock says h=3 m=48
